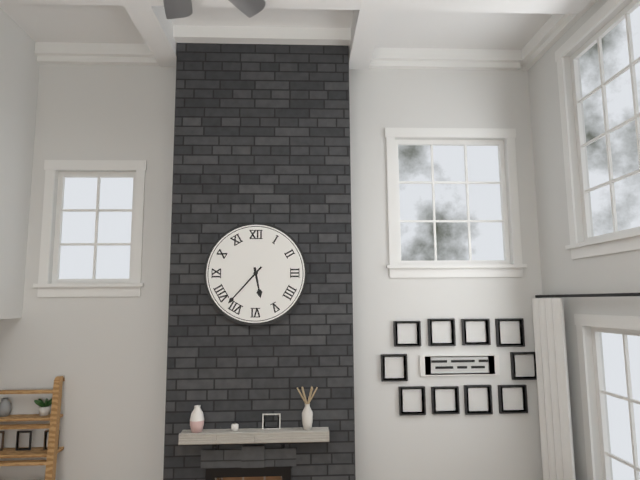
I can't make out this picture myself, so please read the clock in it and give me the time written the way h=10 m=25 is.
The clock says h=5 m=37
